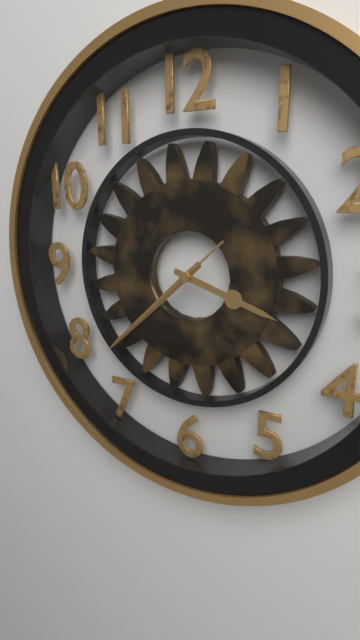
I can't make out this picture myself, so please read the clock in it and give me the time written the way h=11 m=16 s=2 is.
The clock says h=3 m=38 s=38
